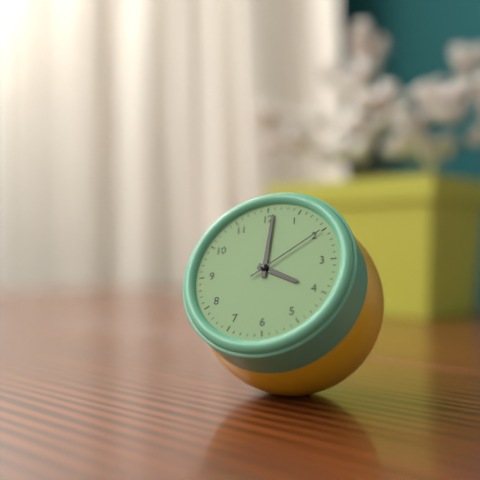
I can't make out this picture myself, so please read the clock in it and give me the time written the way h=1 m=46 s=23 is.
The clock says h=4 m=1 s=10
